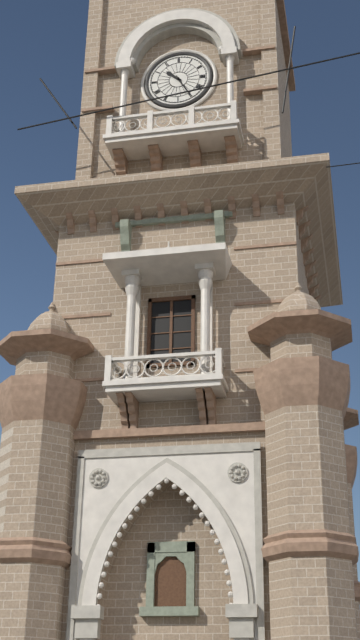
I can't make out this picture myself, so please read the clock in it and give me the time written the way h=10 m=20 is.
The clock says h=10 m=25
